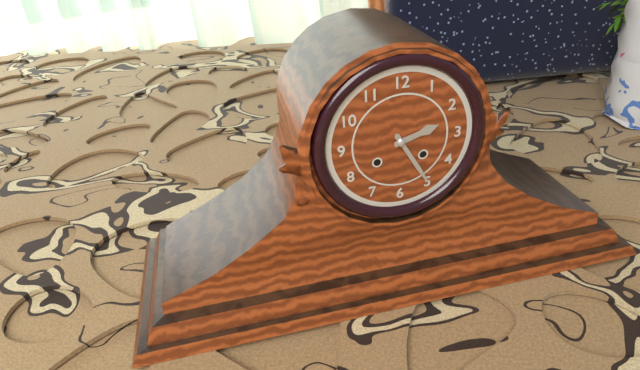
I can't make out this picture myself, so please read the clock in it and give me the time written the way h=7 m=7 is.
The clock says h=2 m=25
